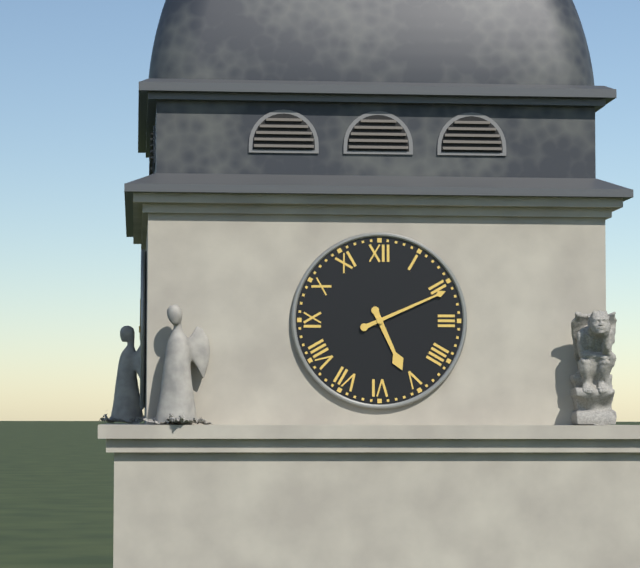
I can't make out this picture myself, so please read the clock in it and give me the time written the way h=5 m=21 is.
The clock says h=5 m=11
